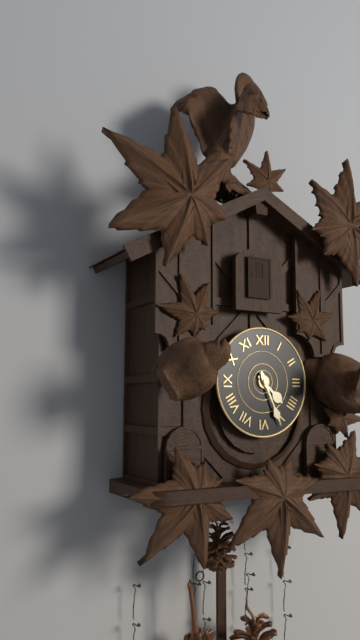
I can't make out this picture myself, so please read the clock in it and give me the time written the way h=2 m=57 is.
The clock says h=4 m=26
